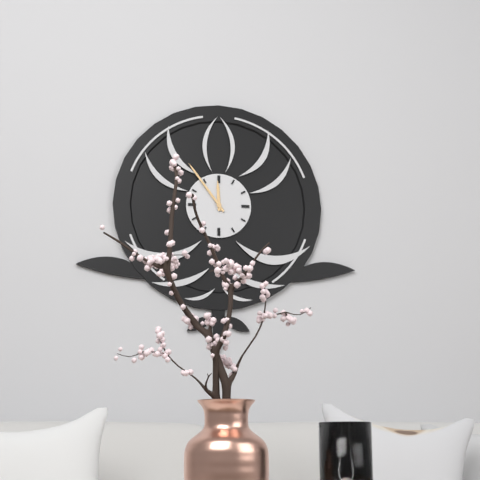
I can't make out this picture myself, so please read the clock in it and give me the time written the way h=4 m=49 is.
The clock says h=11 m=54
